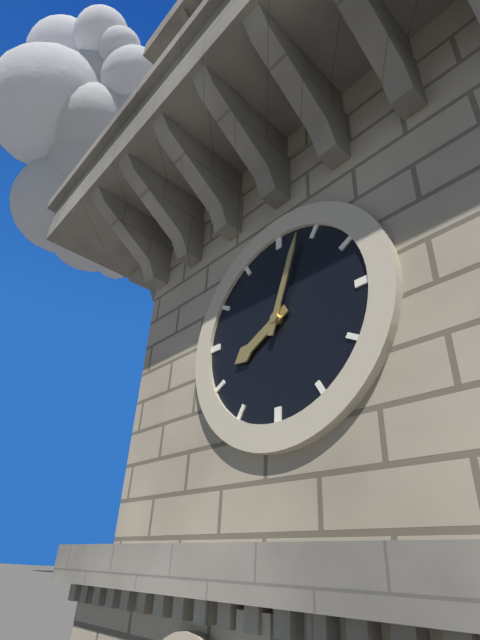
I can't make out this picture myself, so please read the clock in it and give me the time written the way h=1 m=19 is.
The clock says h=8 m=3
